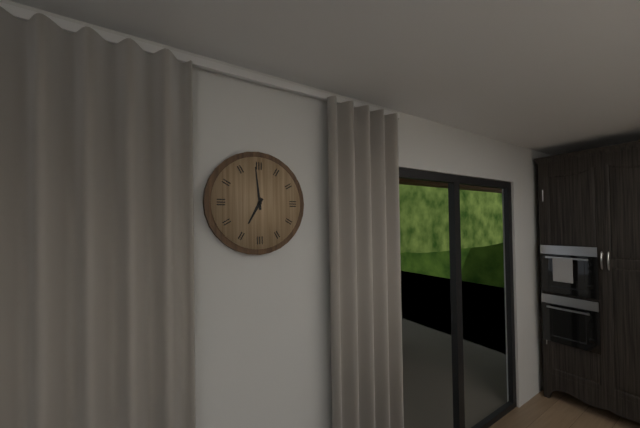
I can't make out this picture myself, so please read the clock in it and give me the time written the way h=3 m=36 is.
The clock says h=6 m=59
